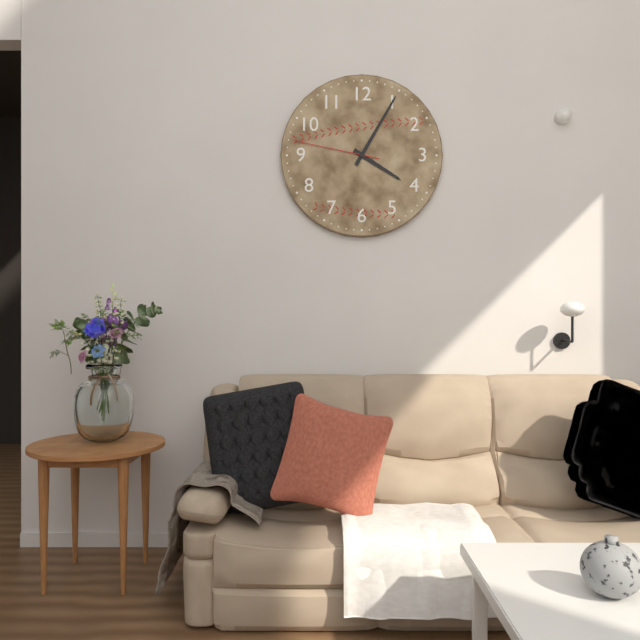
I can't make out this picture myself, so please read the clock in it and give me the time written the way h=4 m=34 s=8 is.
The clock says h=4 m=5 s=47
